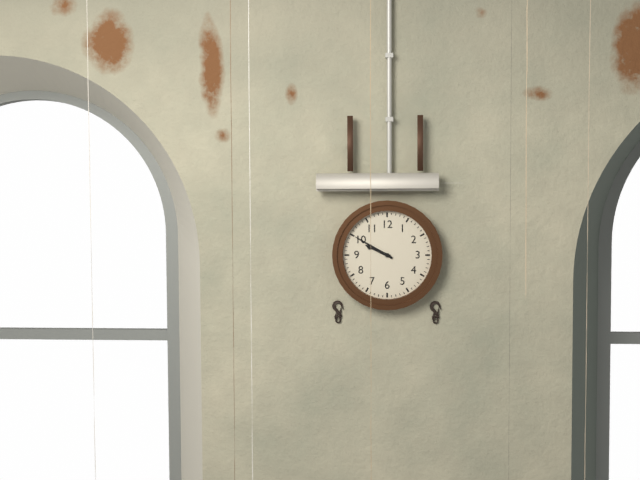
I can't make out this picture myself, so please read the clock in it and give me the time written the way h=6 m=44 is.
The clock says h=9 m=50
